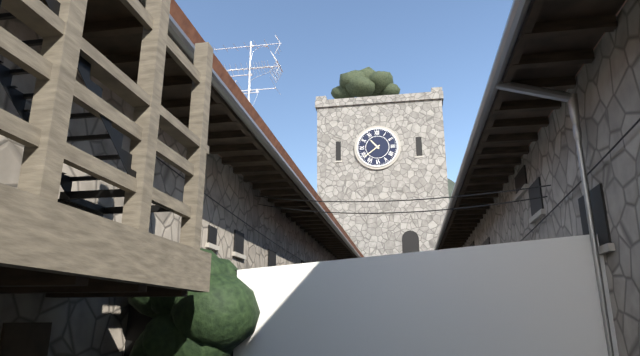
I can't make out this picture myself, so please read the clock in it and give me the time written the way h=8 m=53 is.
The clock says h=10 m=39
